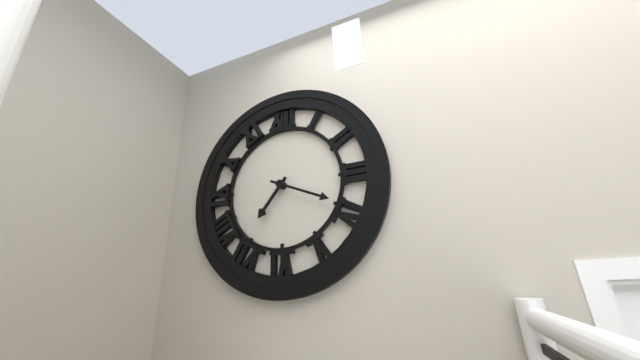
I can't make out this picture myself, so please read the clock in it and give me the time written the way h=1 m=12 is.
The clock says h=7 m=19
